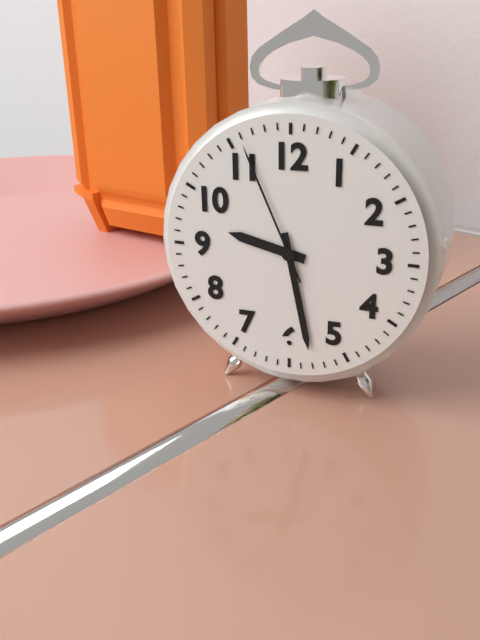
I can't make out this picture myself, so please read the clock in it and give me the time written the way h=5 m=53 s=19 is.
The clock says h=9 m=28 s=56
